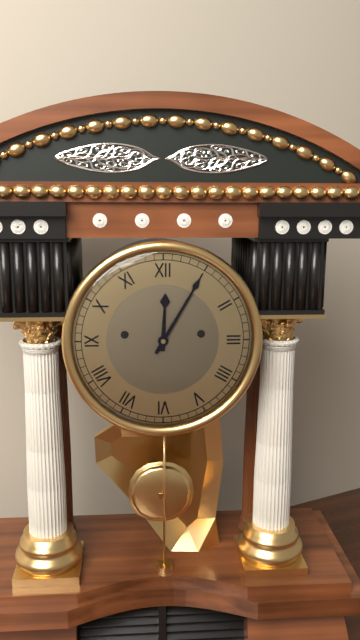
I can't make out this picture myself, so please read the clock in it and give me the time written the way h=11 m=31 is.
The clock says h=12 m=5
